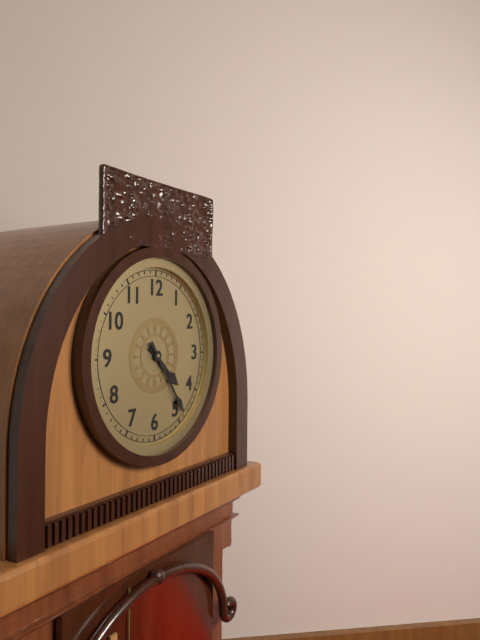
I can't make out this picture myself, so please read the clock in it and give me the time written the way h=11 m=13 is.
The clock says h=4 m=24
